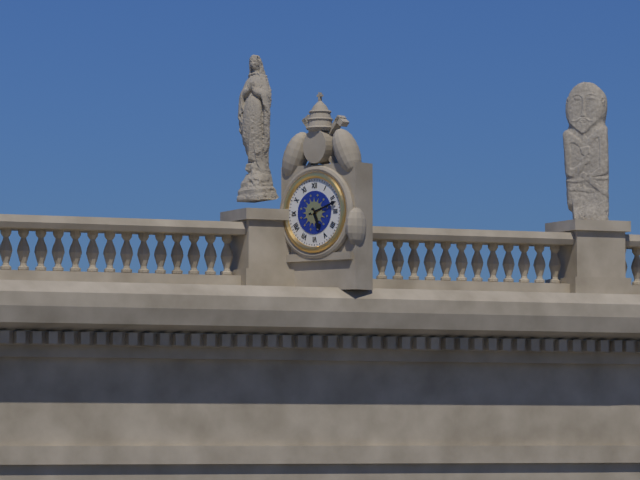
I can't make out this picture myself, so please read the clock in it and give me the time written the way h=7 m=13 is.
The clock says h=5 m=12
